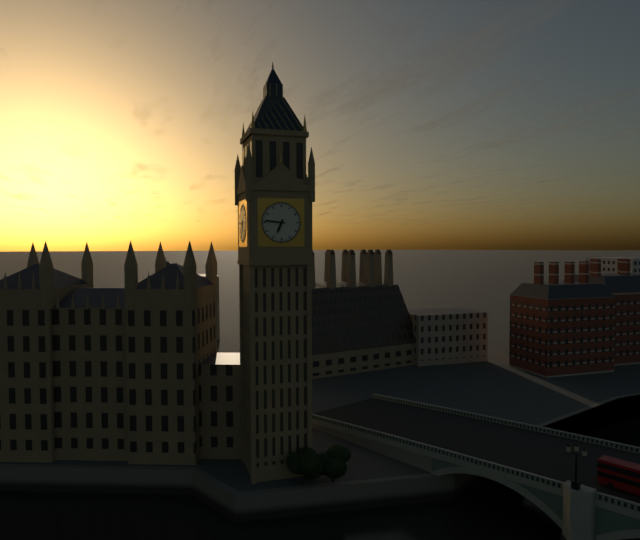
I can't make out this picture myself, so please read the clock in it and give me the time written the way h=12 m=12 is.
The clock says h=6 m=46
